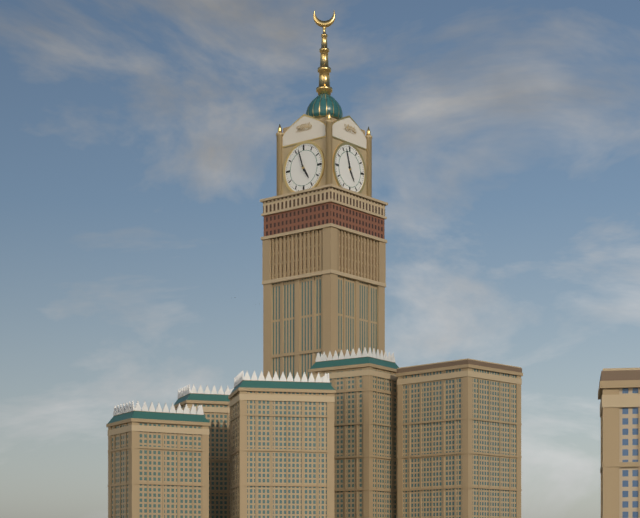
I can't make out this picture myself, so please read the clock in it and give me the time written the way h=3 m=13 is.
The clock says h=4 m=57
